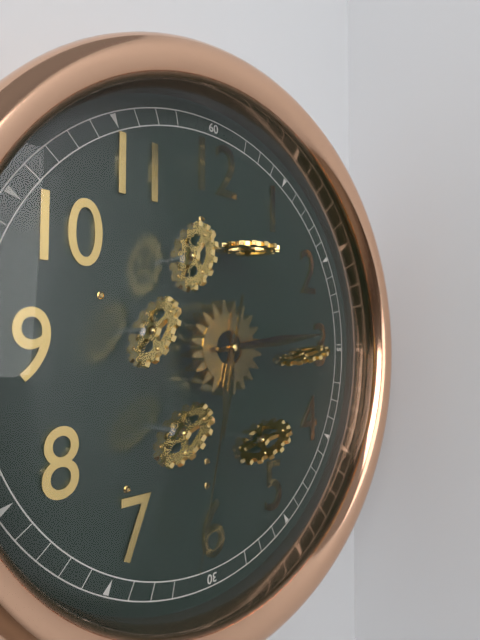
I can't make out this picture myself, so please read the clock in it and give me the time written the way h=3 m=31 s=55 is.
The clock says h=6 m=14 s=32
